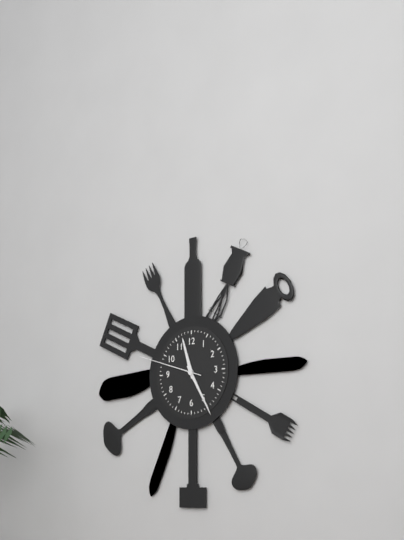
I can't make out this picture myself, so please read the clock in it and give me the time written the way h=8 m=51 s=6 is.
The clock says h=11 m=25 s=48
